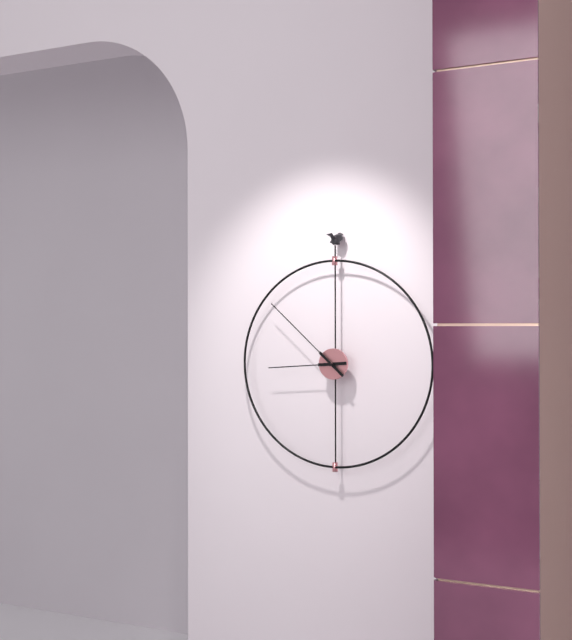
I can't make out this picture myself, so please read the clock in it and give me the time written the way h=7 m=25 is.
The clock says h=8 m=52
